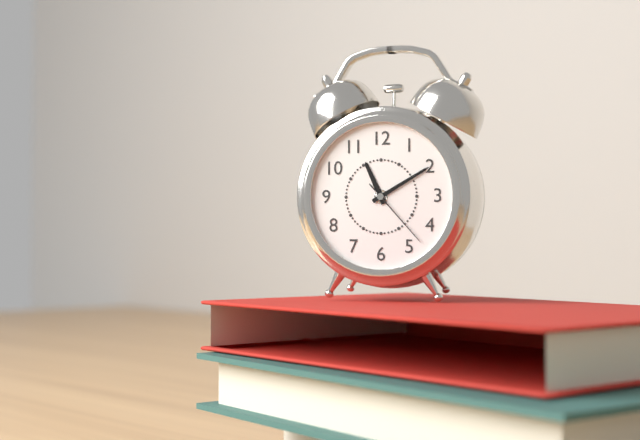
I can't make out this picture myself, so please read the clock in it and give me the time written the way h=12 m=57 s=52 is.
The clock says h=11 m=10 s=23
